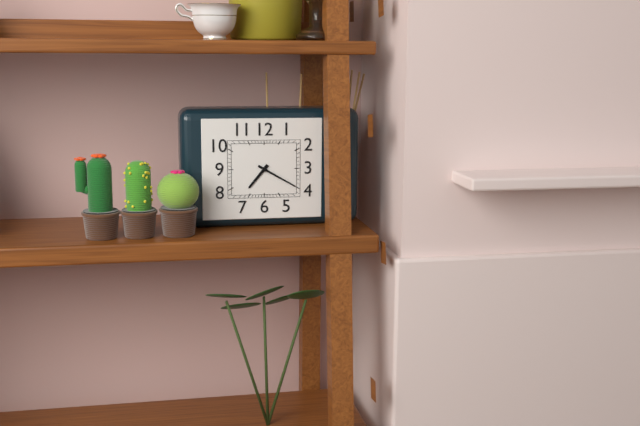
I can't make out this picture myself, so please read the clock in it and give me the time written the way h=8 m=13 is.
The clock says h=7 m=20
